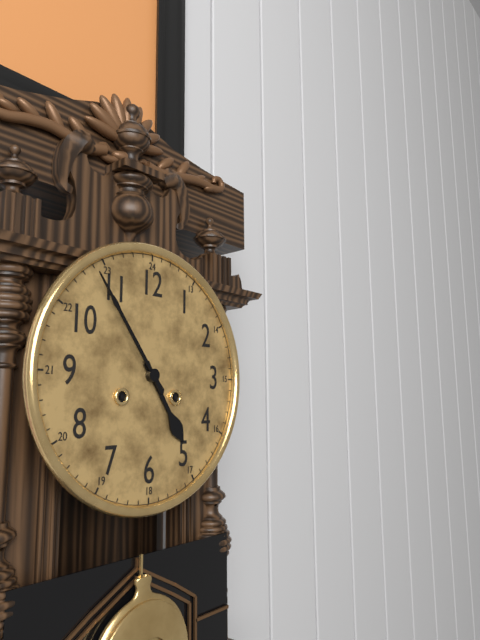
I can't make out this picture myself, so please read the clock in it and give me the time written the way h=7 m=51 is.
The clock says h=4 m=54
